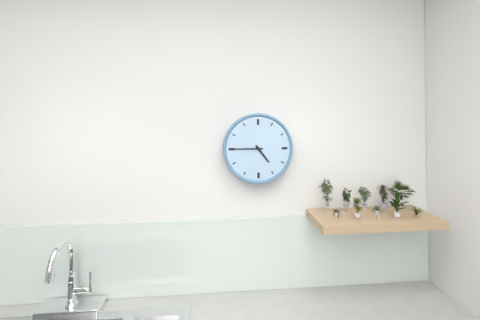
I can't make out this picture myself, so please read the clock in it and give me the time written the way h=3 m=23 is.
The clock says h=4 m=45
